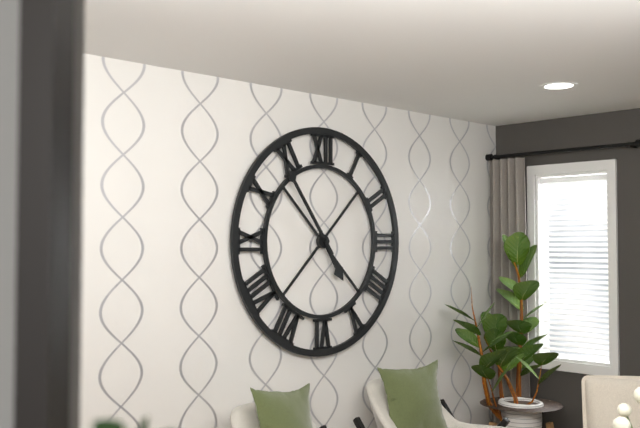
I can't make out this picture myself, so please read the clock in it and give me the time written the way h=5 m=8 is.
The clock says h=4 m=54
